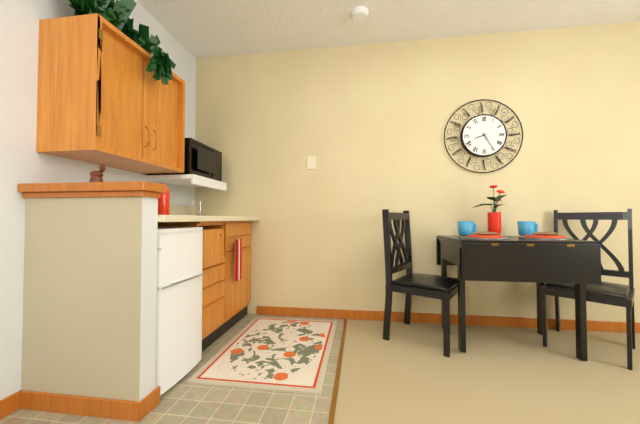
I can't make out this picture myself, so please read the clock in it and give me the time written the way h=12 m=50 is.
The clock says h=8 m=25
